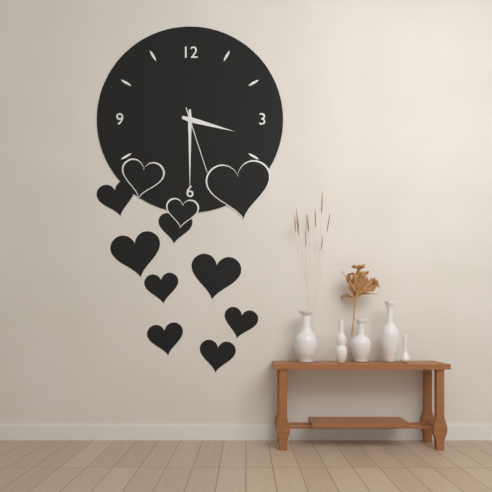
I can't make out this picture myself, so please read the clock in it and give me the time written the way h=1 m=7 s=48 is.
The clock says h=3 m=30 s=27
